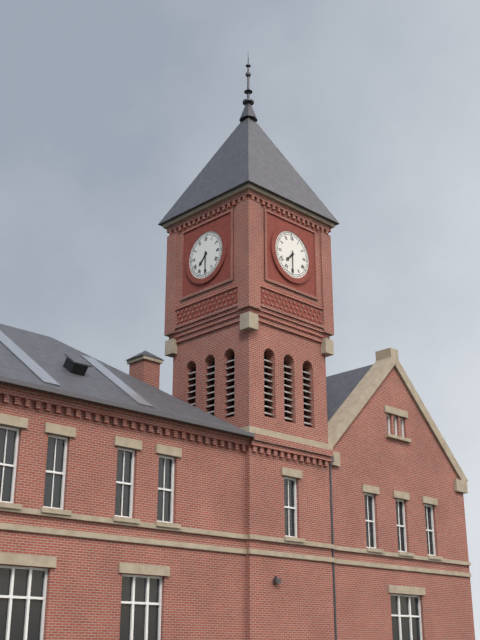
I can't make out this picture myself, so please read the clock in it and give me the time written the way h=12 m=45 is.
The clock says h=7 m=30
